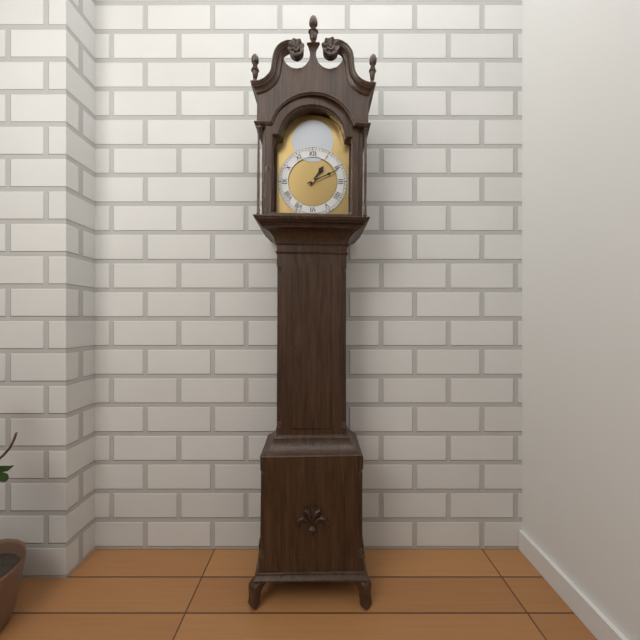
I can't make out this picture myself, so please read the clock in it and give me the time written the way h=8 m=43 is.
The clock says h=1 m=11
